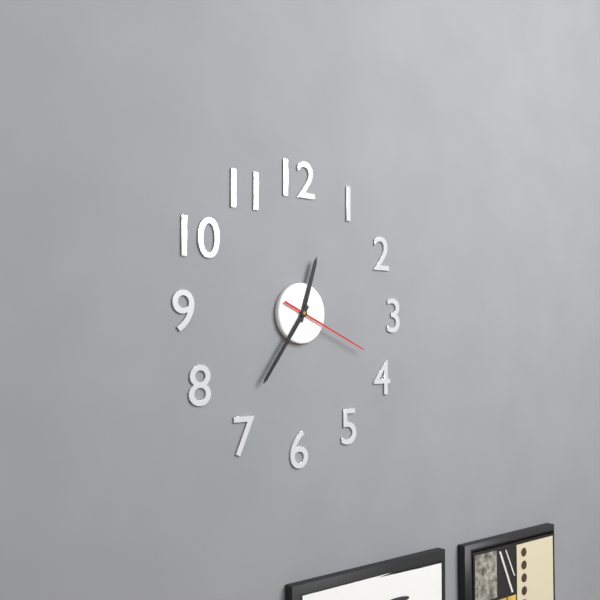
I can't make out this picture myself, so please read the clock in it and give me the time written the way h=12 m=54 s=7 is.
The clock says h=12 m=36 s=19
